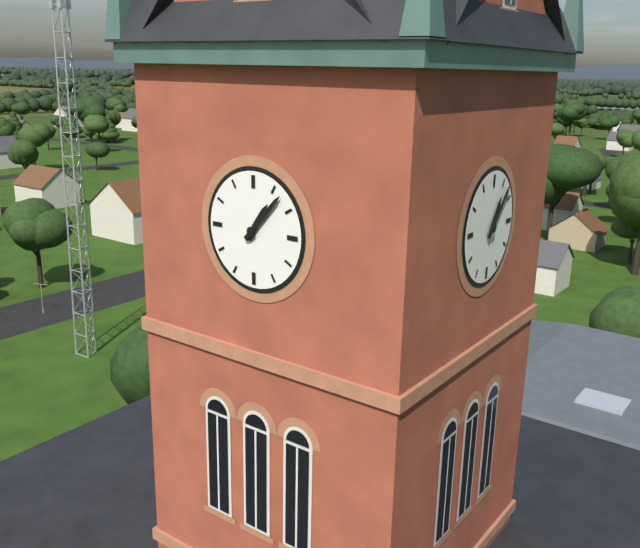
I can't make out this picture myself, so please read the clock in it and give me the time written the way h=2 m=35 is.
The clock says h=1 m=7
